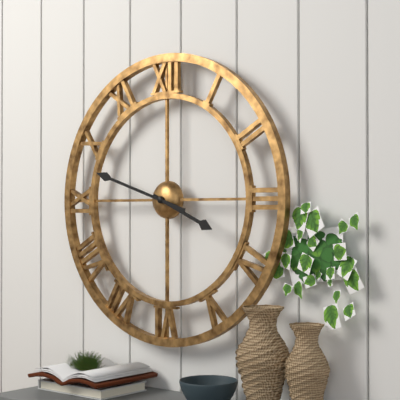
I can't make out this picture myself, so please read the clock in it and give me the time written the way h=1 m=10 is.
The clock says h=3 m=48
